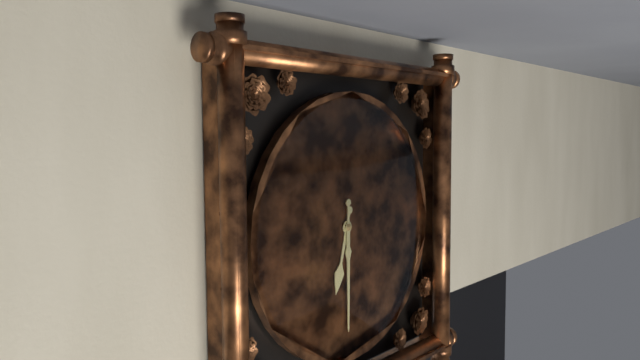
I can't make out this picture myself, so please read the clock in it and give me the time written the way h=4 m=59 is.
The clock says h=6 m=30
